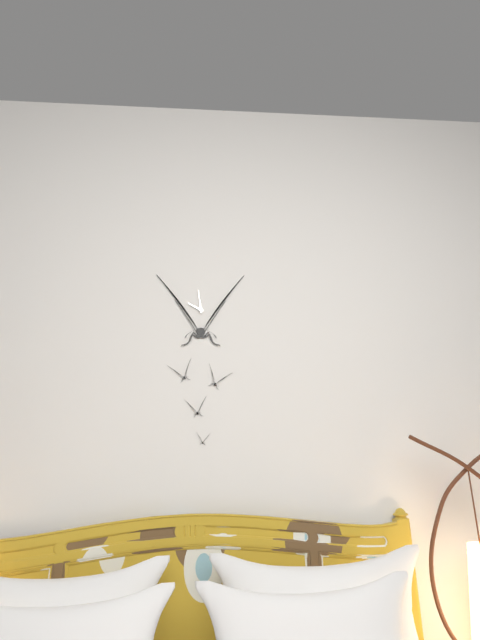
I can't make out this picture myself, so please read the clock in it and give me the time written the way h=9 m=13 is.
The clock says h=9 m=59
